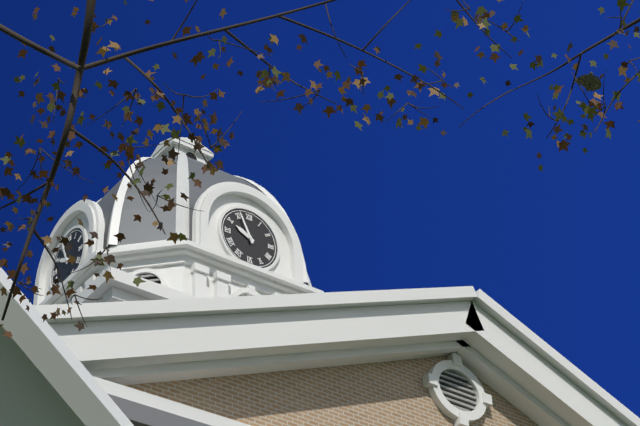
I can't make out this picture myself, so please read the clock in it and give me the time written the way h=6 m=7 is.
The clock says h=9 m=56
